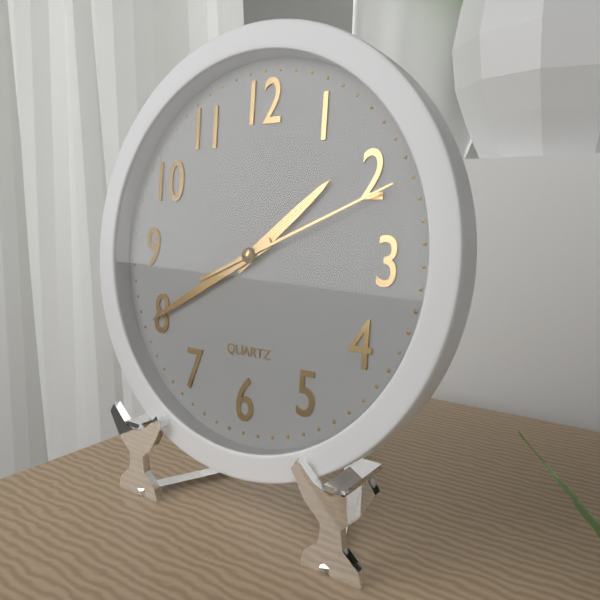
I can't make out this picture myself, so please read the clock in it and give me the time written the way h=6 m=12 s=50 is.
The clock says h=1 m=40 s=11
